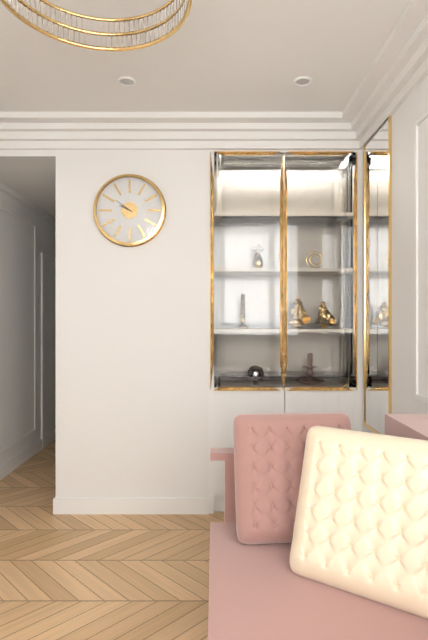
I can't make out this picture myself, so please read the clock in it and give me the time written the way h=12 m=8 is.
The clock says h=9 m=51
